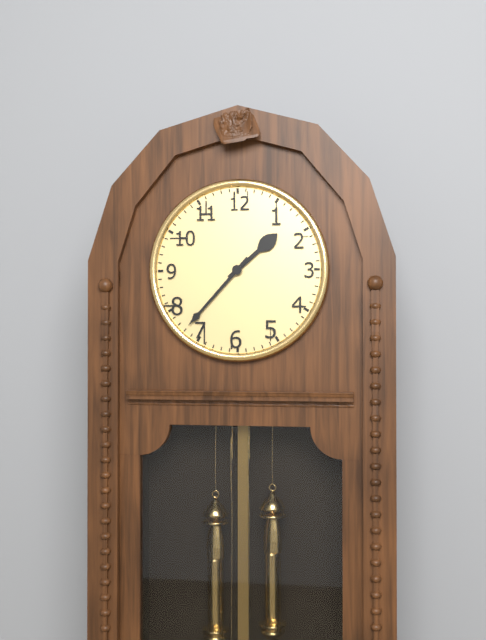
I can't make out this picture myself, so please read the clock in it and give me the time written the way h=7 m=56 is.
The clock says h=1 m=37
